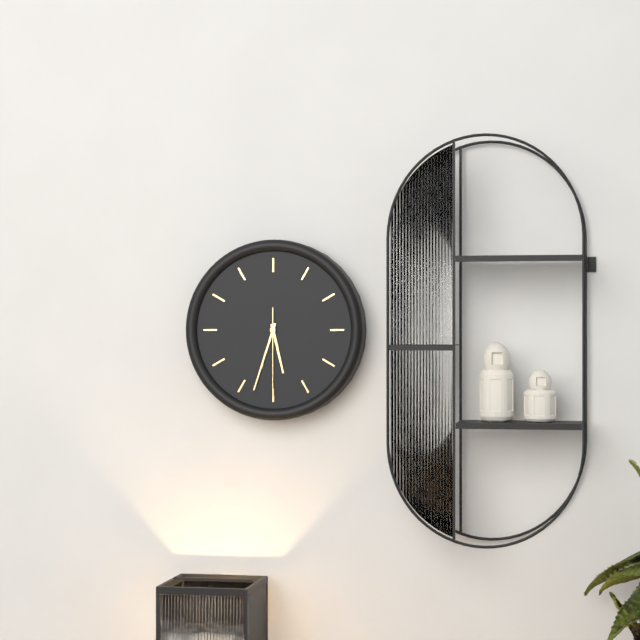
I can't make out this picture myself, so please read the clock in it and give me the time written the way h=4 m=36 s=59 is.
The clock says h=5 m=33 s=30
